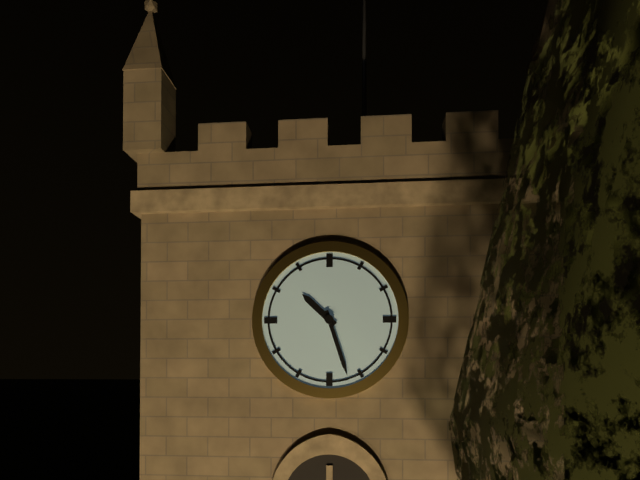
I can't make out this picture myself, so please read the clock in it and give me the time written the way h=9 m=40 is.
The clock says h=10 m=27
